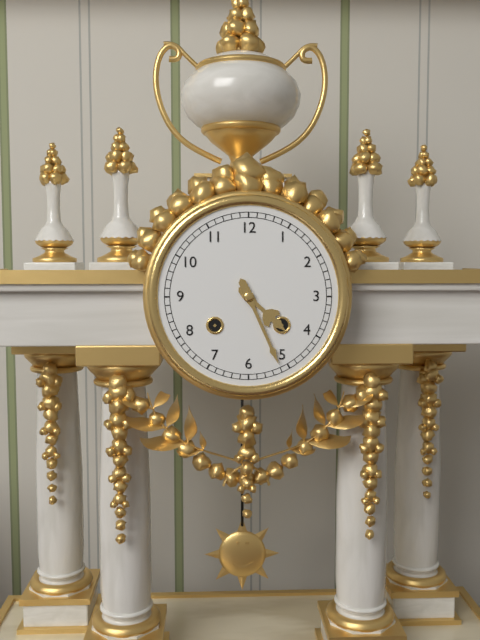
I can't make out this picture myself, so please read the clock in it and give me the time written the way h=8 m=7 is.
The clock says h=4 m=26
